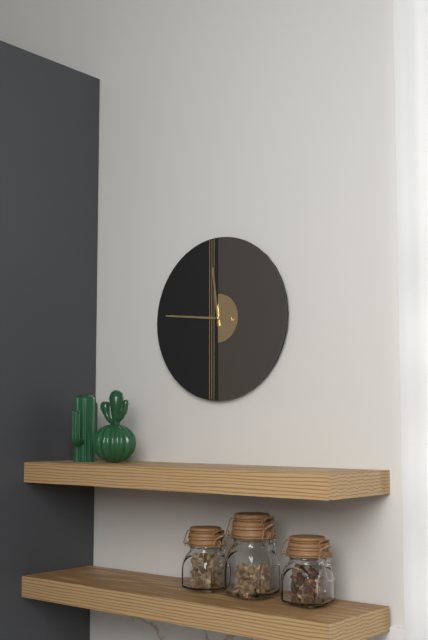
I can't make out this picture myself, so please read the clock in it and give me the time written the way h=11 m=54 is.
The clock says h=11 m=46
